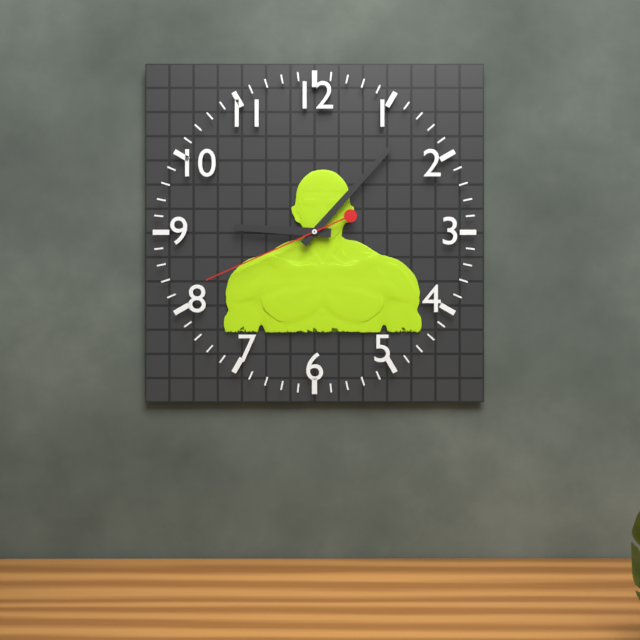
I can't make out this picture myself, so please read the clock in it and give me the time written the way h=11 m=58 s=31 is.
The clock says h=9 m=7 s=41
